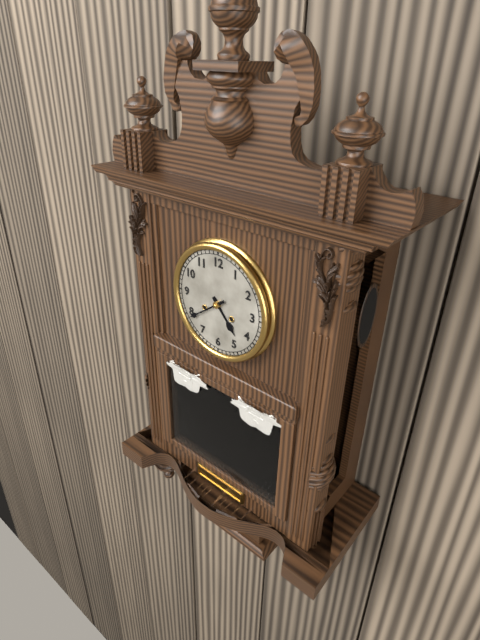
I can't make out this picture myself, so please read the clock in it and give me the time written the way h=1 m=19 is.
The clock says h=4 m=39
